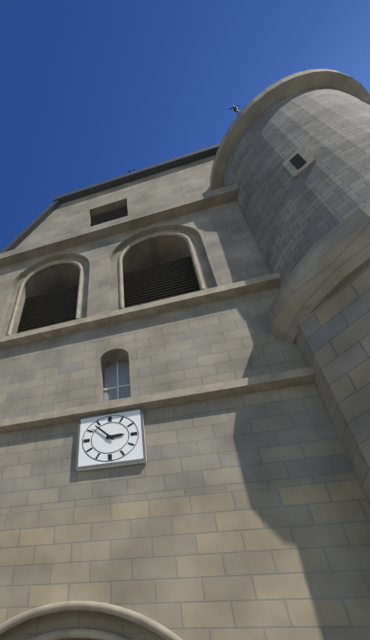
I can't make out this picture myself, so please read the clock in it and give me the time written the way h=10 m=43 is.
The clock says h=2 m=53
